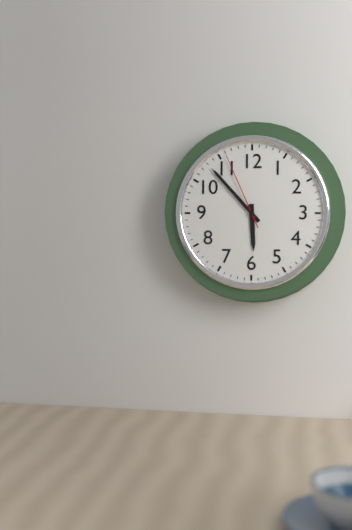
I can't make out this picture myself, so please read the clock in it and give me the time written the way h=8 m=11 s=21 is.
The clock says h=5 m=53 s=56
